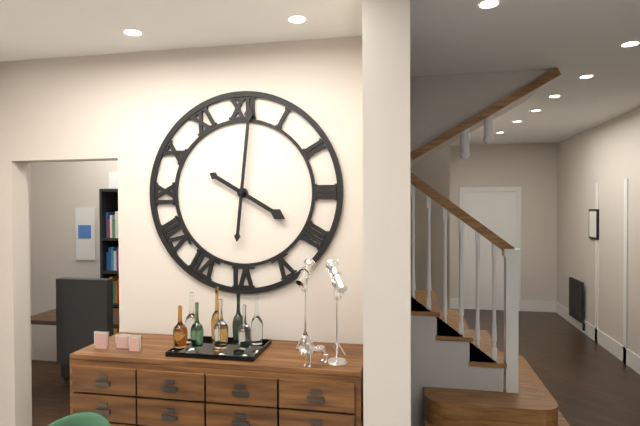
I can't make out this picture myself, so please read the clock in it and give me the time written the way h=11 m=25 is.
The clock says h=4 m=1
